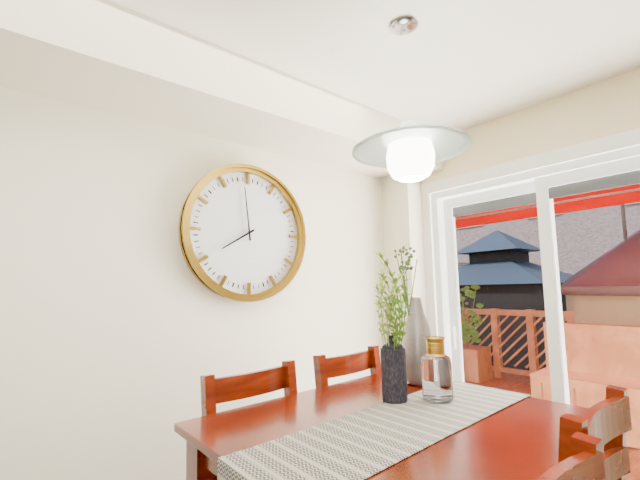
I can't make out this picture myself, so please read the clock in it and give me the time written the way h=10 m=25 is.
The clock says h=7 m=59
